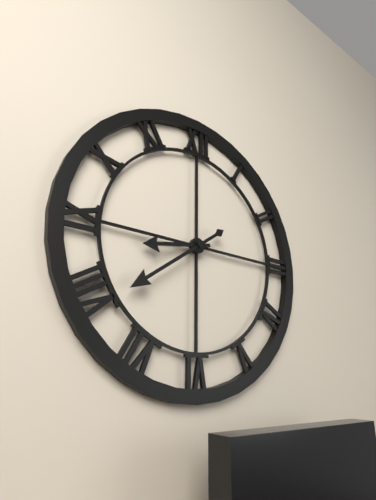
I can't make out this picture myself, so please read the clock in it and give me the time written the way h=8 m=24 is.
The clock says h=8 m=39
